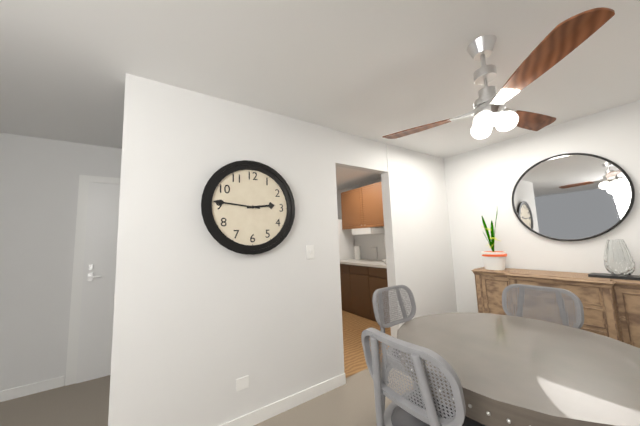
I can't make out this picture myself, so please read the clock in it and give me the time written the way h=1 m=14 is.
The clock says h=2 m=46
